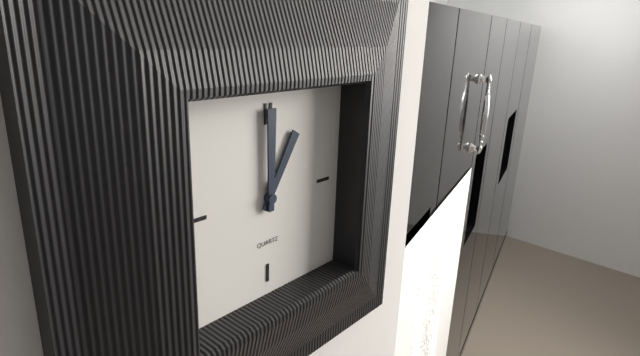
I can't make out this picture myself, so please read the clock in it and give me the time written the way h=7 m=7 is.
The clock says h=1 m=0
